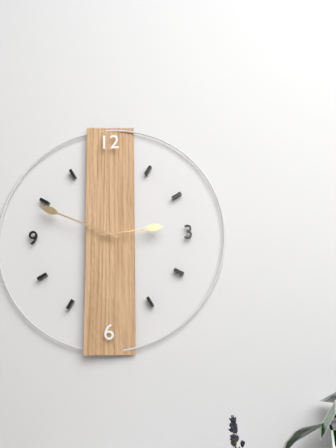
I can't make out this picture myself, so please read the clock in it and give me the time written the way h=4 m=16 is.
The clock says h=2 m=49
